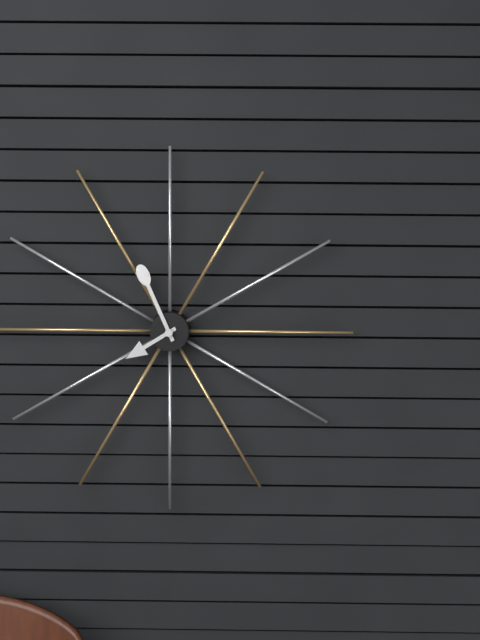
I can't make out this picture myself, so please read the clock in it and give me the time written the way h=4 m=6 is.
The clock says h=7 m=56
